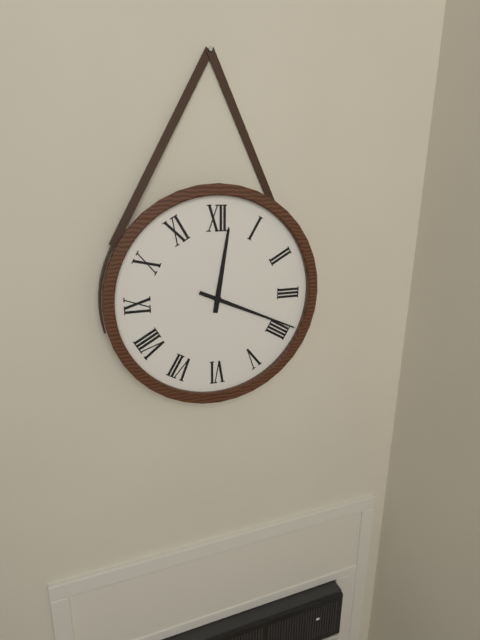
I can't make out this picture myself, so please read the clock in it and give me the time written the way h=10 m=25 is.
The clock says h=12 m=19
